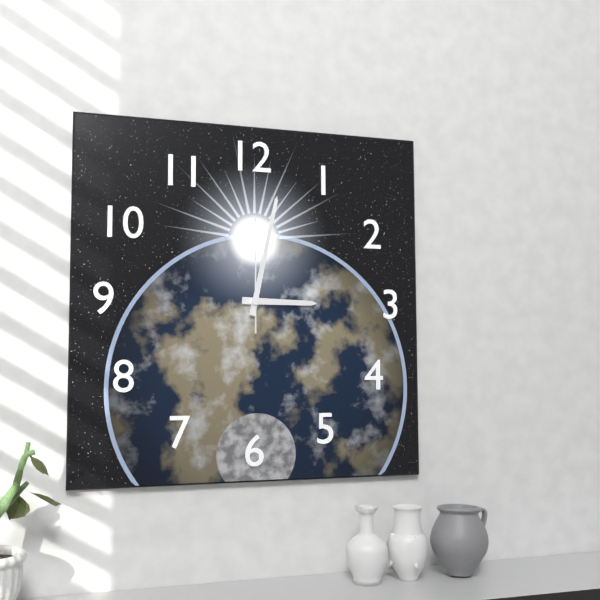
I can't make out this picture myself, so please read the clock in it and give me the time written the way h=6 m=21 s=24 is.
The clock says h=3 m=2 s=0
